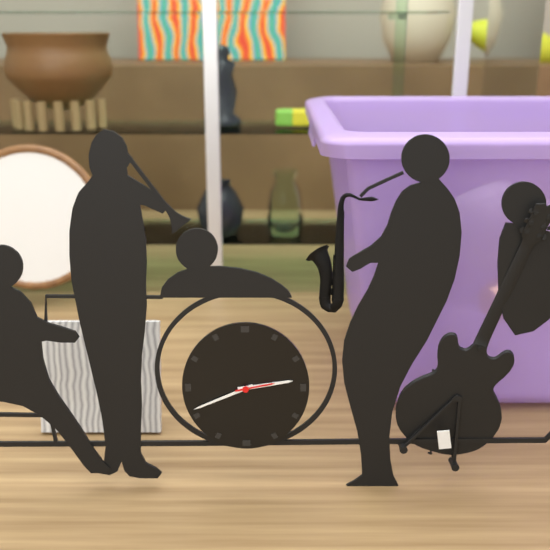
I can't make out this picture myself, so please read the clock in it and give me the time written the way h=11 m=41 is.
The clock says h=2 m=41
